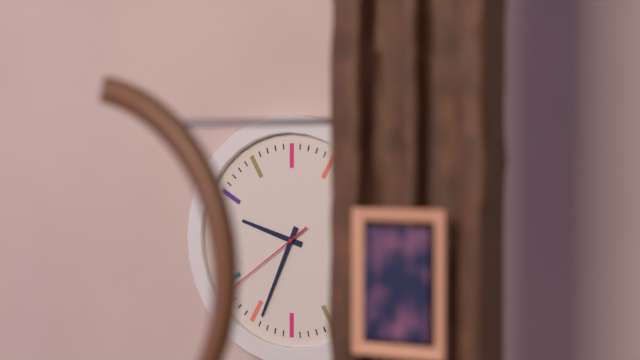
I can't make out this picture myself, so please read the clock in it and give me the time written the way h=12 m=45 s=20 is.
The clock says h=9 m=34 s=39
